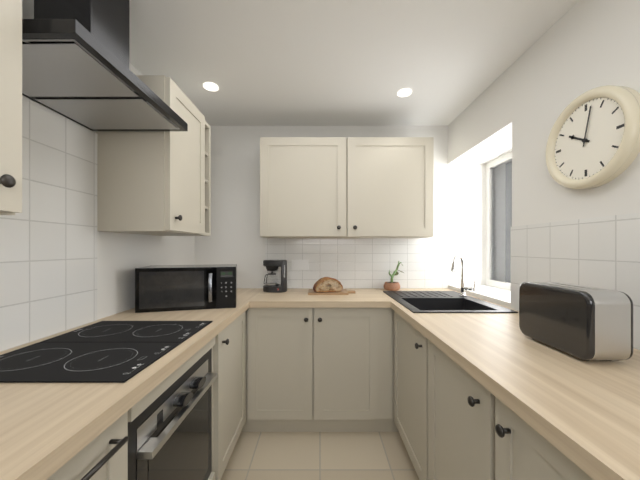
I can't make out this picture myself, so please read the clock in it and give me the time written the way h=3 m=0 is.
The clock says h=10 m=2
